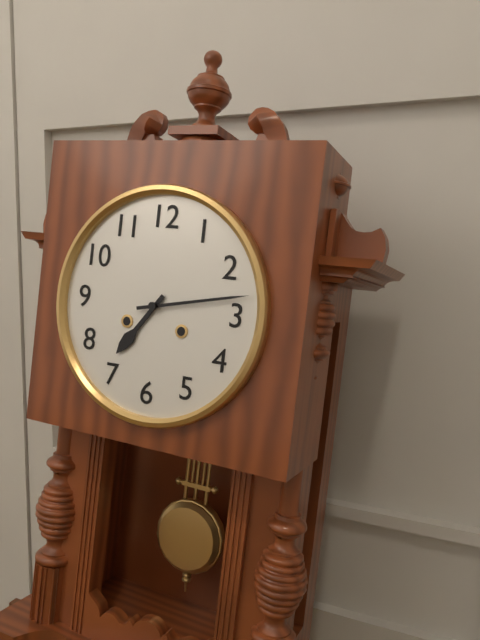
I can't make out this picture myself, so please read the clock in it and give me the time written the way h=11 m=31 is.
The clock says h=7 m=13
